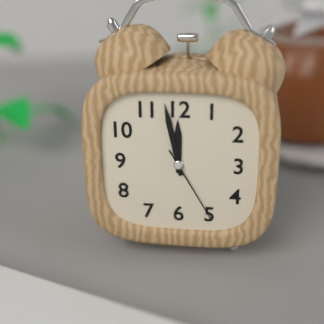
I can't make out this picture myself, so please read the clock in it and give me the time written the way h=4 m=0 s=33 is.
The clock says h=11 m=58 s=25
